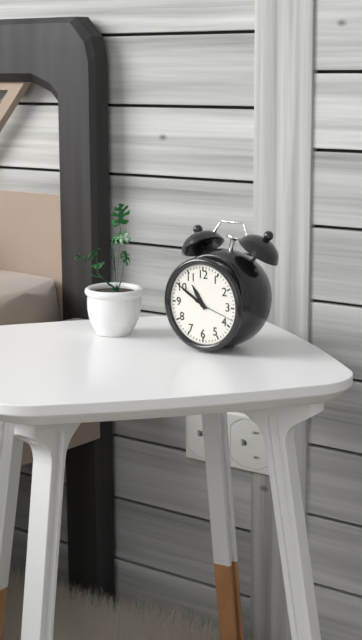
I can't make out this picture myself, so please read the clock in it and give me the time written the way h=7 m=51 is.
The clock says h=10 m=50
